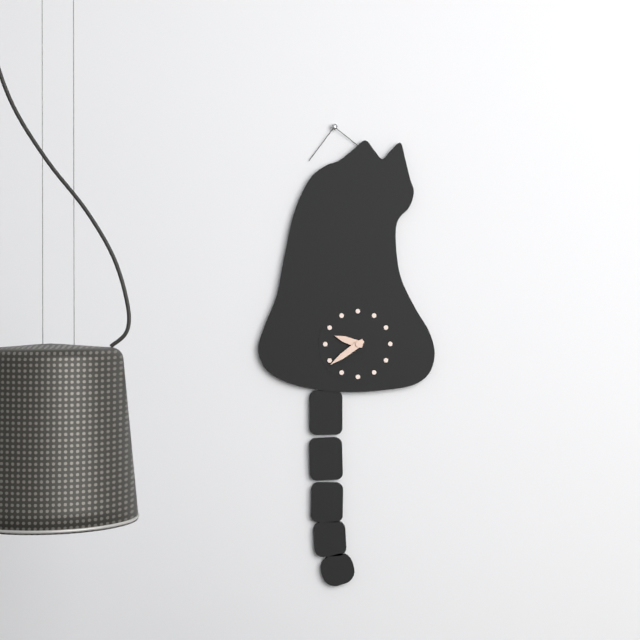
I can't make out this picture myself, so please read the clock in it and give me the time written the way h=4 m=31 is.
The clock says h=9 m=39
